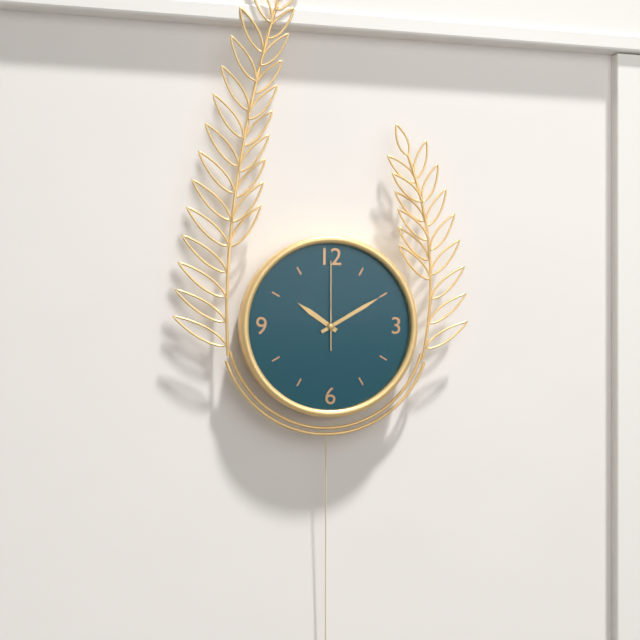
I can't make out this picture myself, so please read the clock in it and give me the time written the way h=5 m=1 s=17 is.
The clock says h=10 m=10 s=0
